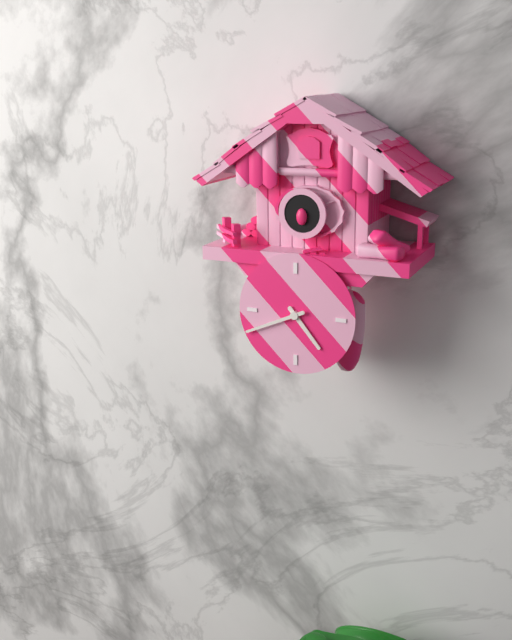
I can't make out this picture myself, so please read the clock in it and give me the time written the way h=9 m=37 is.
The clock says h=4 m=41
